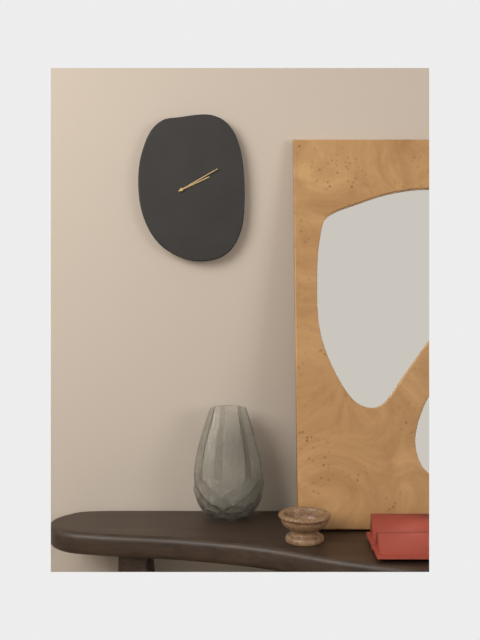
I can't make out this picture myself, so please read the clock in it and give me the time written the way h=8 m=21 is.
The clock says h=2 m=10
